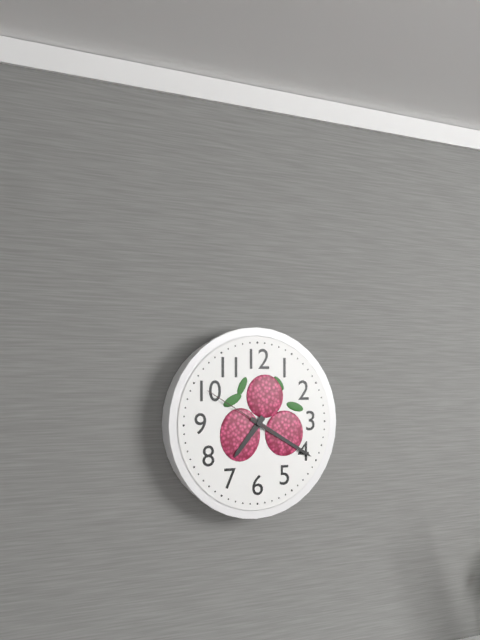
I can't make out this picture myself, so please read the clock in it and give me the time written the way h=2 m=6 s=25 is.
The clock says h=7 m=20 s=50
